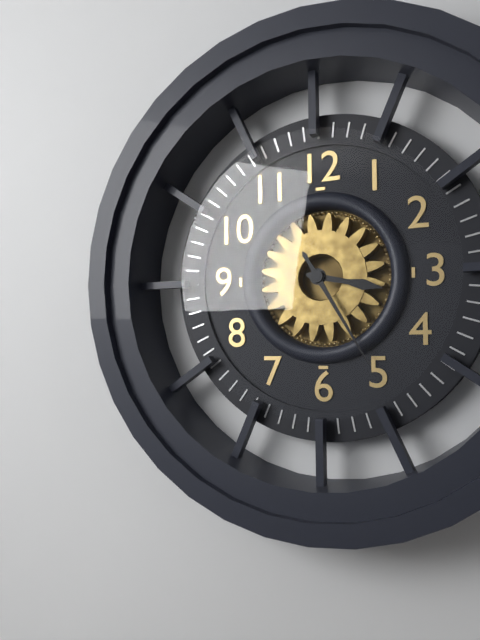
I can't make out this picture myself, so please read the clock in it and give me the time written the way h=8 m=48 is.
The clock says h=3 m=25
